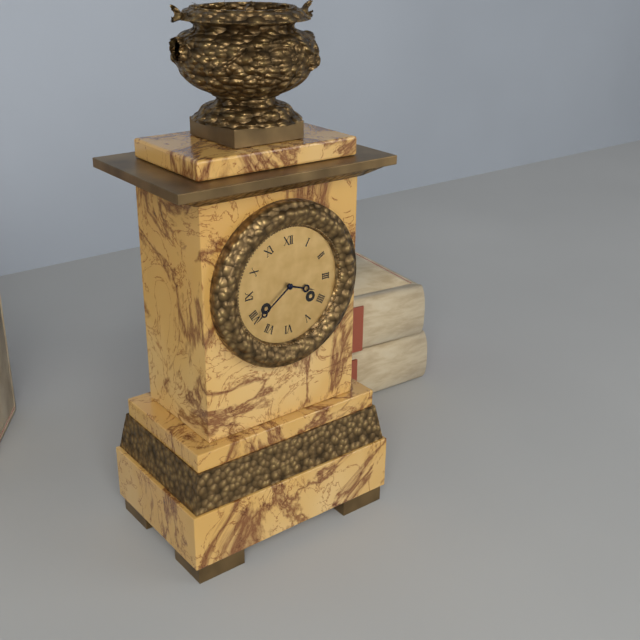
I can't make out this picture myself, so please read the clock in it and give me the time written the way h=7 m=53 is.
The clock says h=3 m=39
